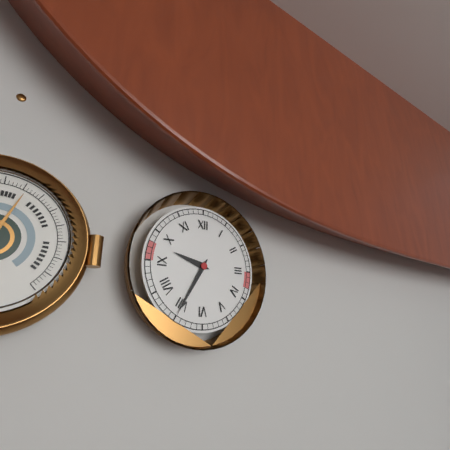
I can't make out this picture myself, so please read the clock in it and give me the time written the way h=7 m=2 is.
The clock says h=9 m=35
